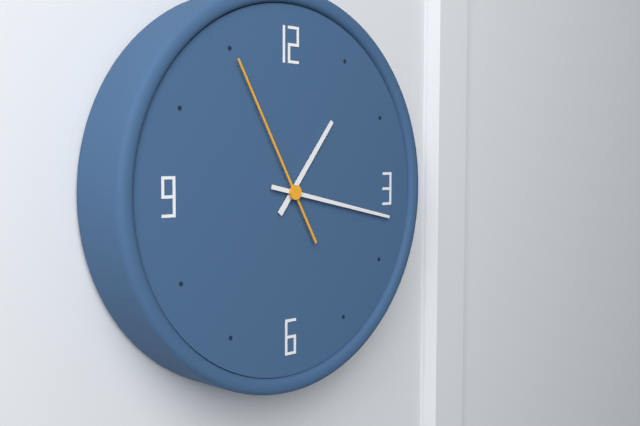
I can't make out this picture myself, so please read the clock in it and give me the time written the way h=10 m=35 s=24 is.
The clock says h=1 m=17 s=55
